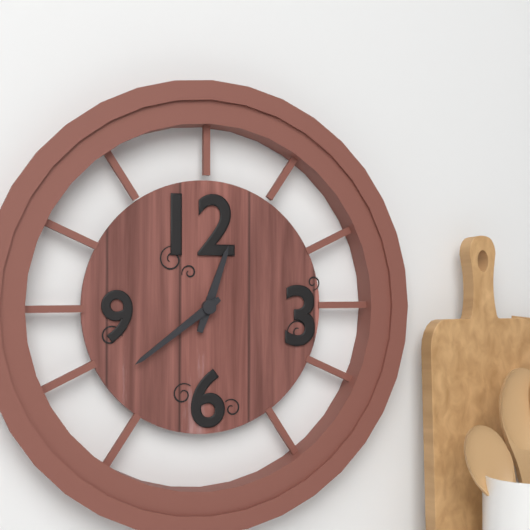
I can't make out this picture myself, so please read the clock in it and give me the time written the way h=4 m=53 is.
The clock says h=12 m=39
